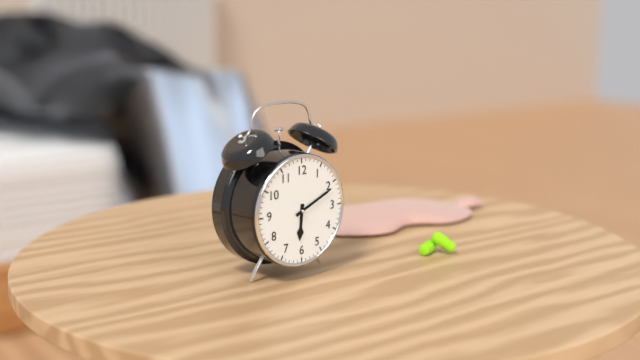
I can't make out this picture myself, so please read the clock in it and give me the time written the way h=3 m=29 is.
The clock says h=6 m=11
